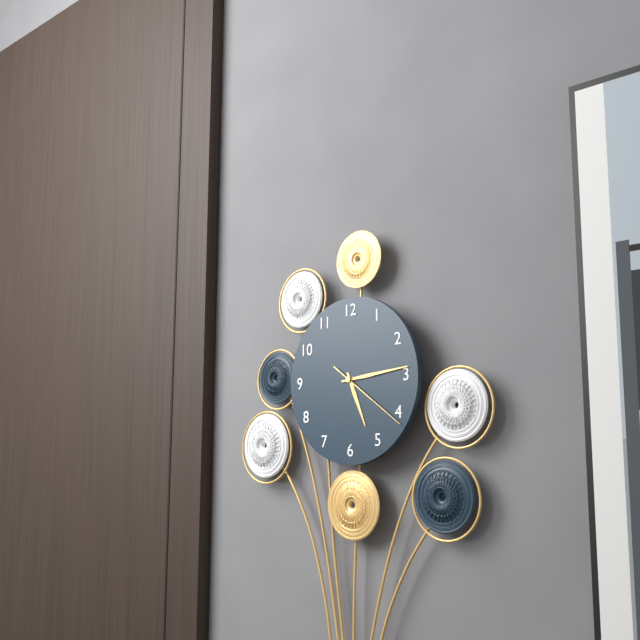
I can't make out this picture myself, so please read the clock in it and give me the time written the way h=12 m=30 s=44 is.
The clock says h=5 m=14 s=21
